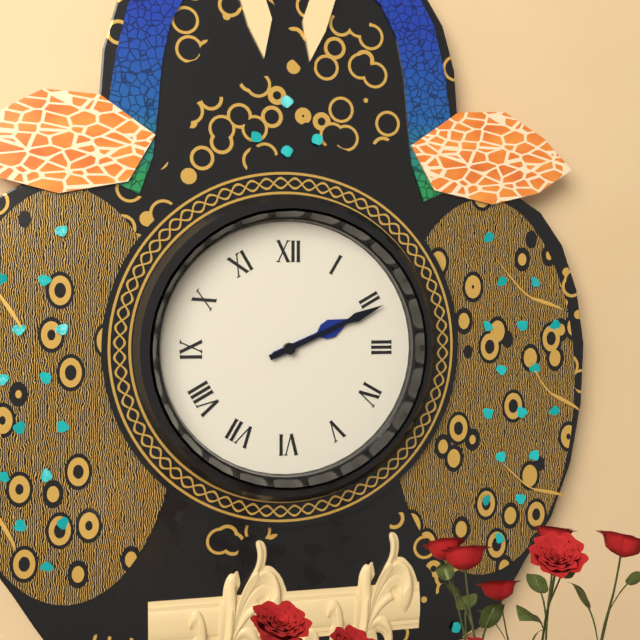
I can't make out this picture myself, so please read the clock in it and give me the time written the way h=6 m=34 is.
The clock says h=2 m=11
